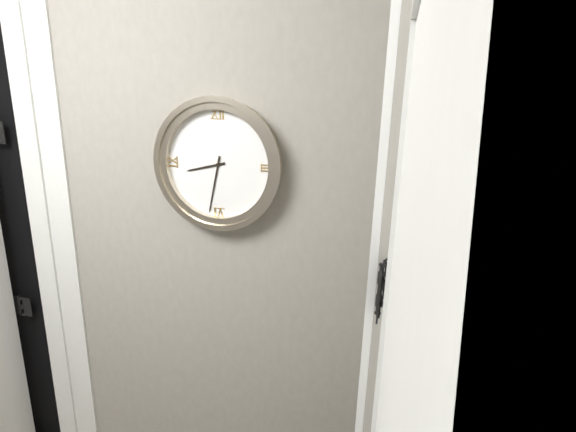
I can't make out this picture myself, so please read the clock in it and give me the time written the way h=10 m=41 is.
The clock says h=8 m=32
